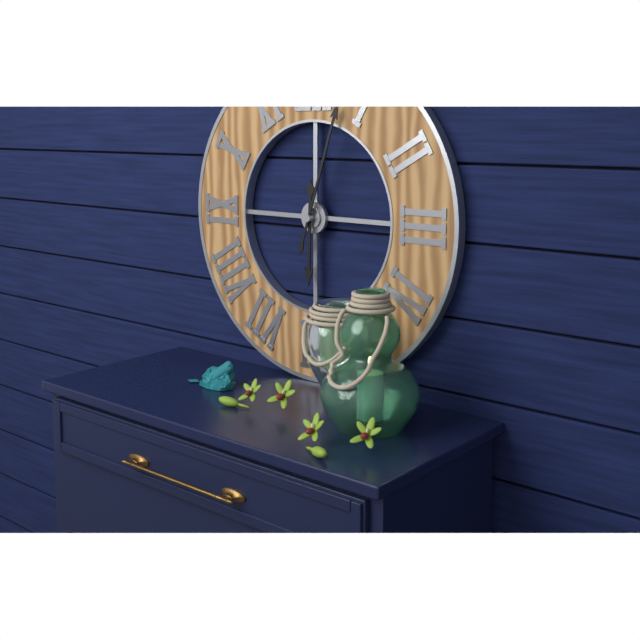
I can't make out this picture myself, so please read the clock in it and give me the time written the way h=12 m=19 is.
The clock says h=6 m=3
